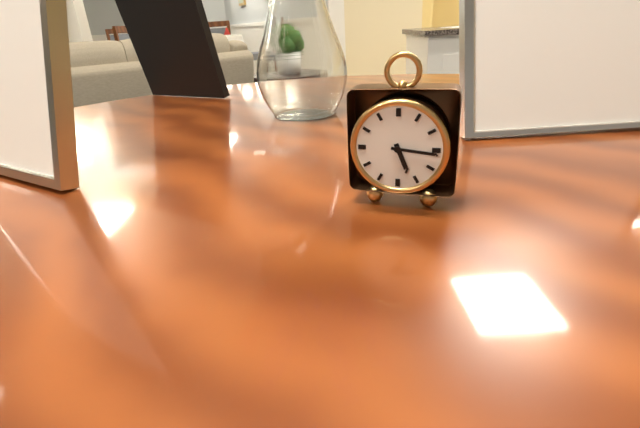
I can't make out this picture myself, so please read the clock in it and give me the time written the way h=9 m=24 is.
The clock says h=5 m=16
